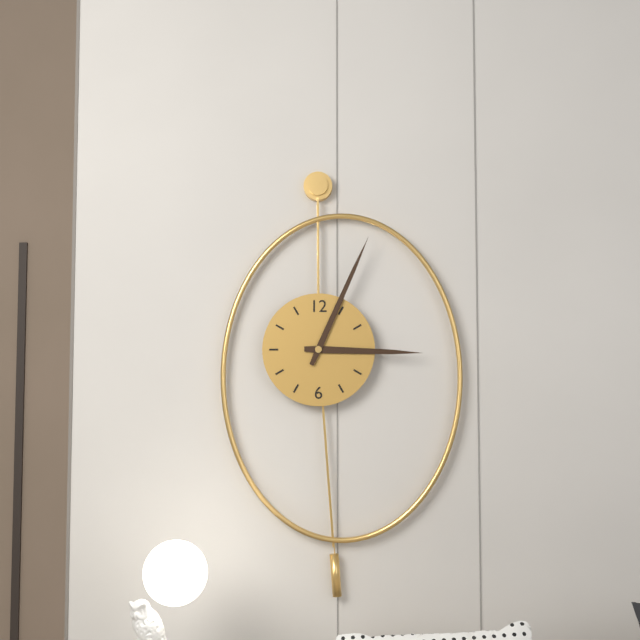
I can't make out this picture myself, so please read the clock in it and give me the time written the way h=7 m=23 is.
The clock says h=3 m=4
